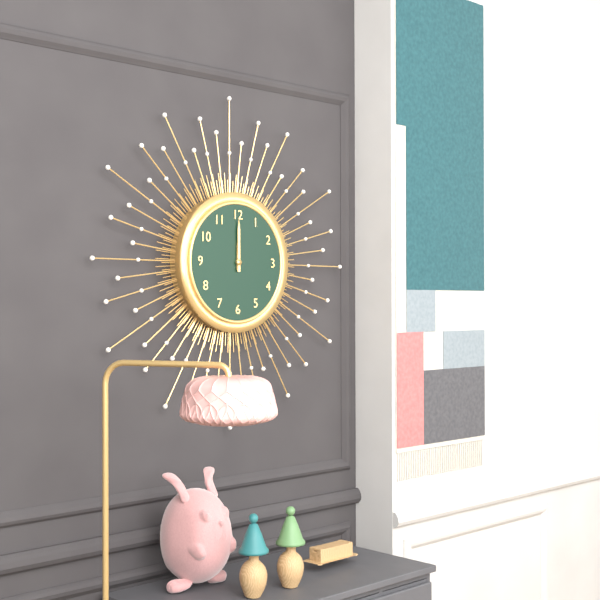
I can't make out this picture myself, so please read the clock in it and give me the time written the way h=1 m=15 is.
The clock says h=12 m=0
